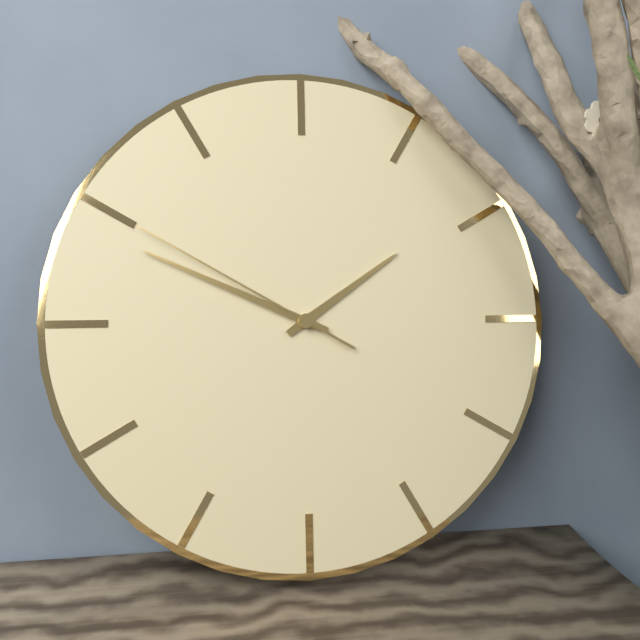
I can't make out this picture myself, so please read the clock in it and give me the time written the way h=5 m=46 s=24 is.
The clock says h=1 m=49 s=50
